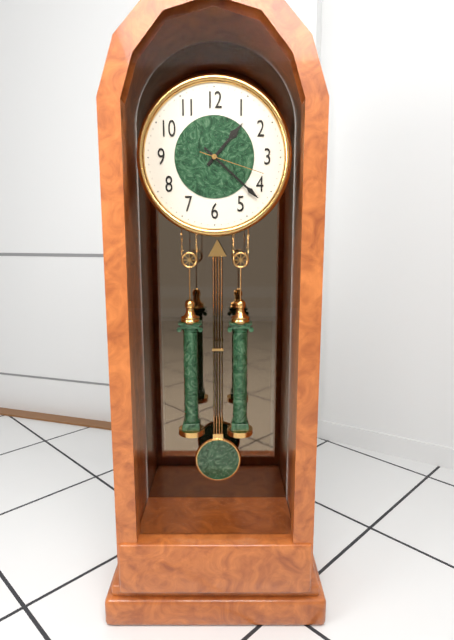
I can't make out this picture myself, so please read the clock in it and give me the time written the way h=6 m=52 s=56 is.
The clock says h=1 m=22 s=18
